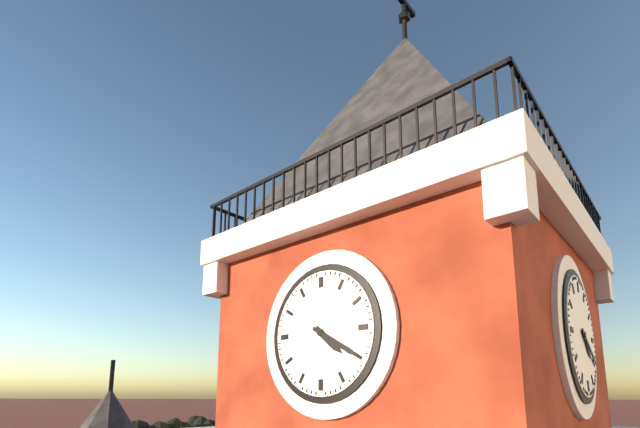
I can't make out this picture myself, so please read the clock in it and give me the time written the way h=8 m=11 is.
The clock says h=4 m=20
